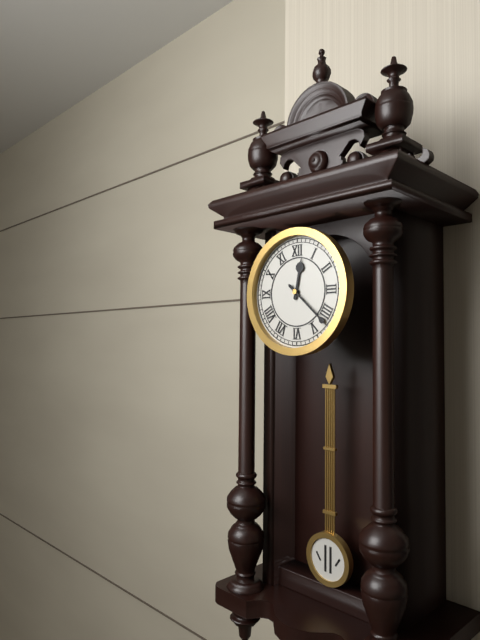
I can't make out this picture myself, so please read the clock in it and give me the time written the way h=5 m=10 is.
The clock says h=12 m=22
